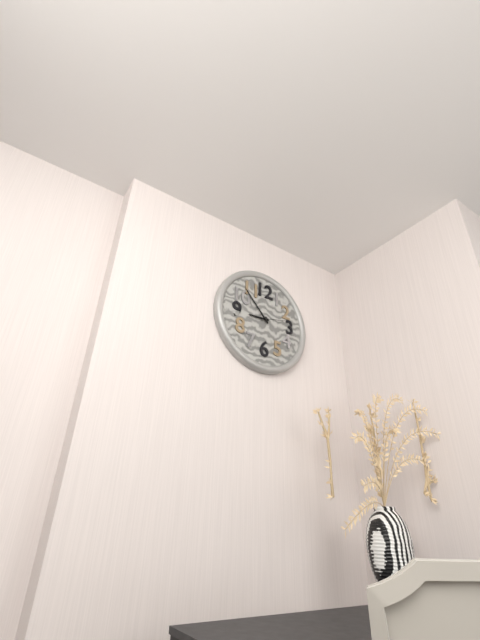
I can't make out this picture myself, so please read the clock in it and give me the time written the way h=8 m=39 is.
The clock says h=8 m=53
